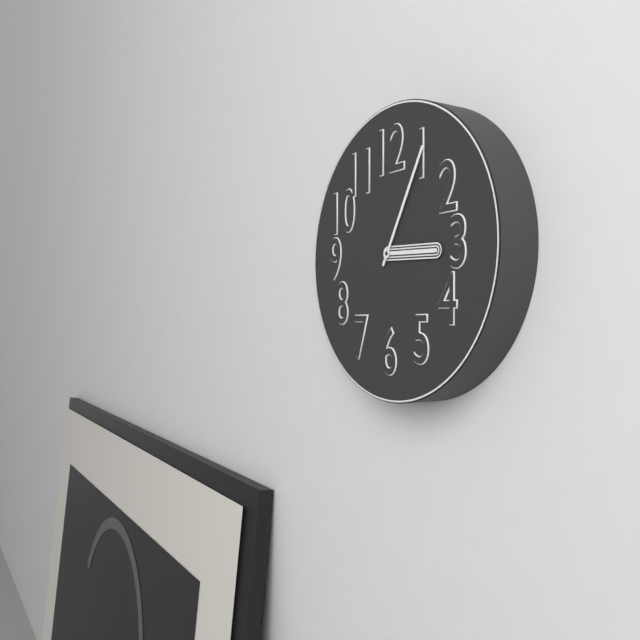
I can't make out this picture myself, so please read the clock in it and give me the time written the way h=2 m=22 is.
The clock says h=3 m=5
